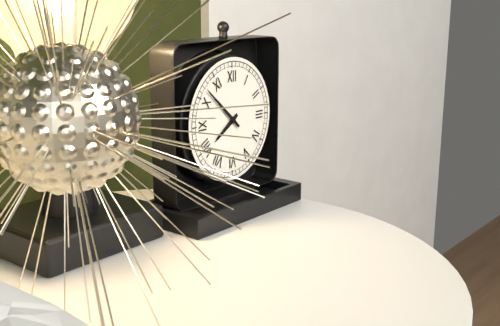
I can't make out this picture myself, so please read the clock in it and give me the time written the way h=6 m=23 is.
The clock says h=7 m=52
